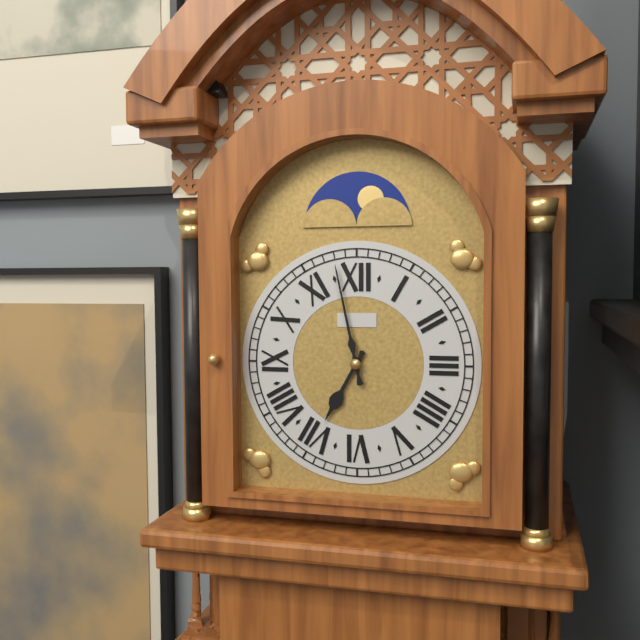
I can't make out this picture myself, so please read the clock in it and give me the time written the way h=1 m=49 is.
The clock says h=6 m=58
